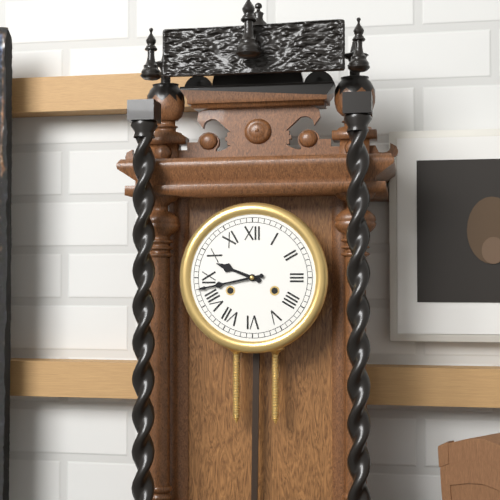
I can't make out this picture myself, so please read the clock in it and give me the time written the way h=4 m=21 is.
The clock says h=9 m=43
